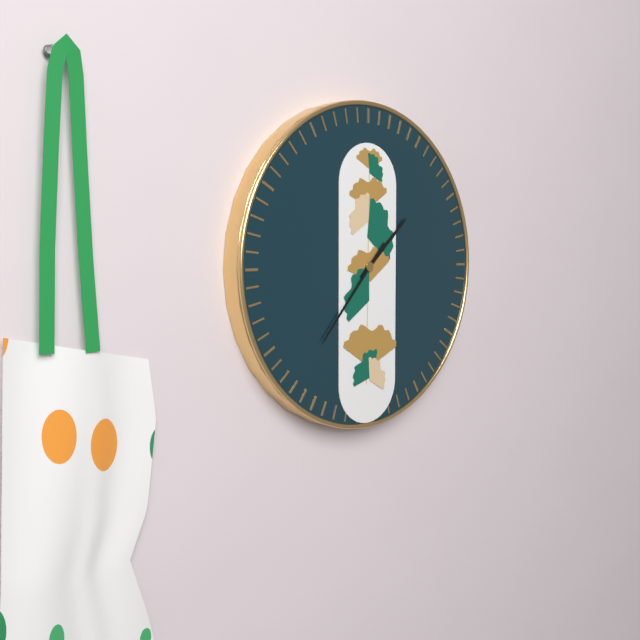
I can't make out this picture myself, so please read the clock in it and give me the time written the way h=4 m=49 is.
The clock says h=1 m=37
